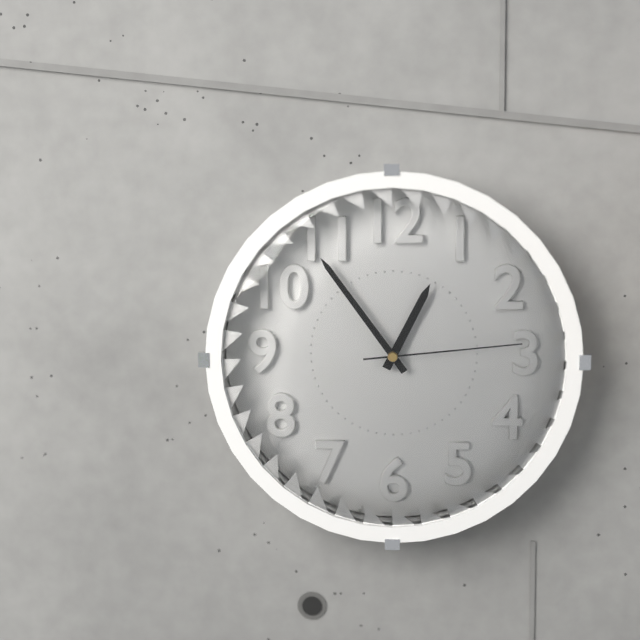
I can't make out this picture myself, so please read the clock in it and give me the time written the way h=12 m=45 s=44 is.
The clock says h=12 m=54 s=14
